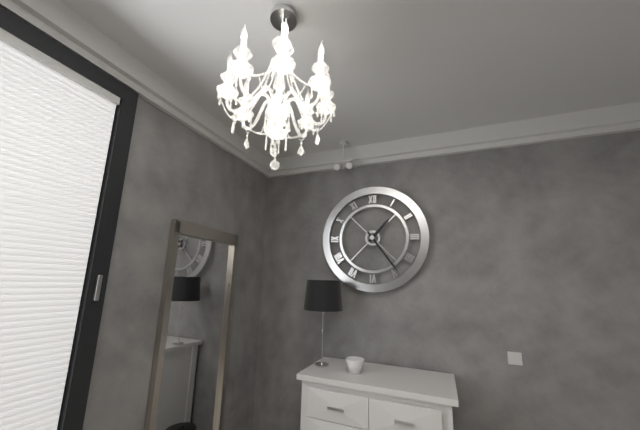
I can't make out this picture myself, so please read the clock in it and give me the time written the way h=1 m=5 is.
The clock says h=1 m=24
